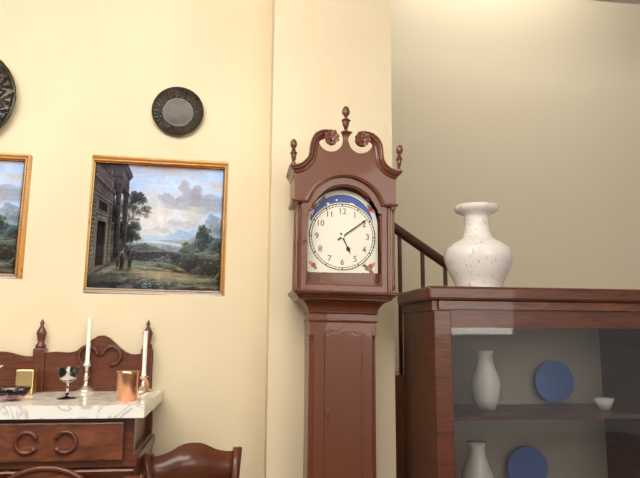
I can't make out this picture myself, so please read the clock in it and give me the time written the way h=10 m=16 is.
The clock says h=5 m=9
